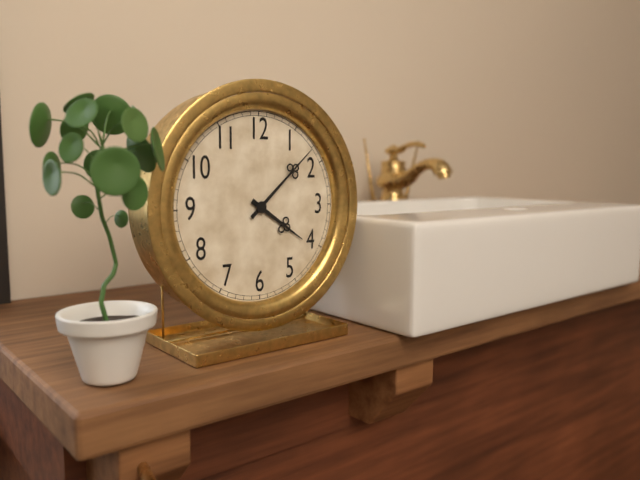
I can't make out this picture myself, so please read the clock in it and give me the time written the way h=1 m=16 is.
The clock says h=4 m=8
